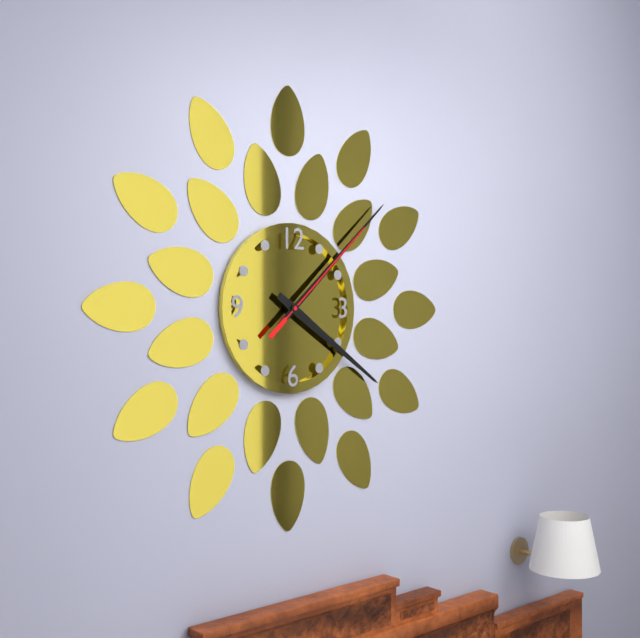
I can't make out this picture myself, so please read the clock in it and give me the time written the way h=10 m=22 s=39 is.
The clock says h=4 m=8 s=8
